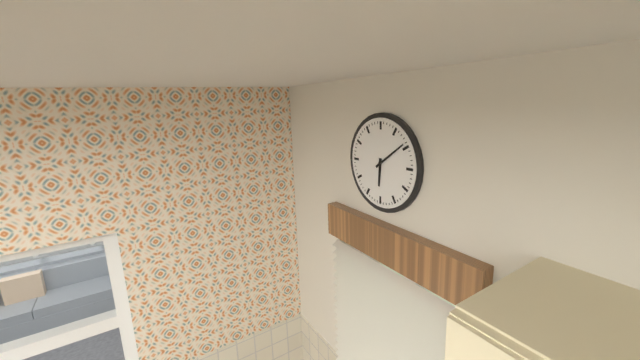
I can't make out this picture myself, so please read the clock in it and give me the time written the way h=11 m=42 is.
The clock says h=6 m=9
